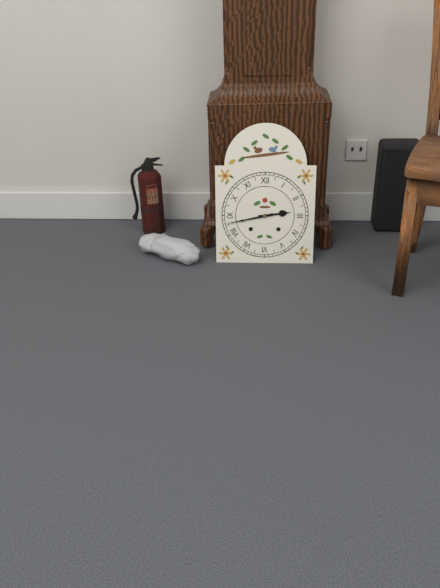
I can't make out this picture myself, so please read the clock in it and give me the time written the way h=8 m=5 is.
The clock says h=2 m=43
